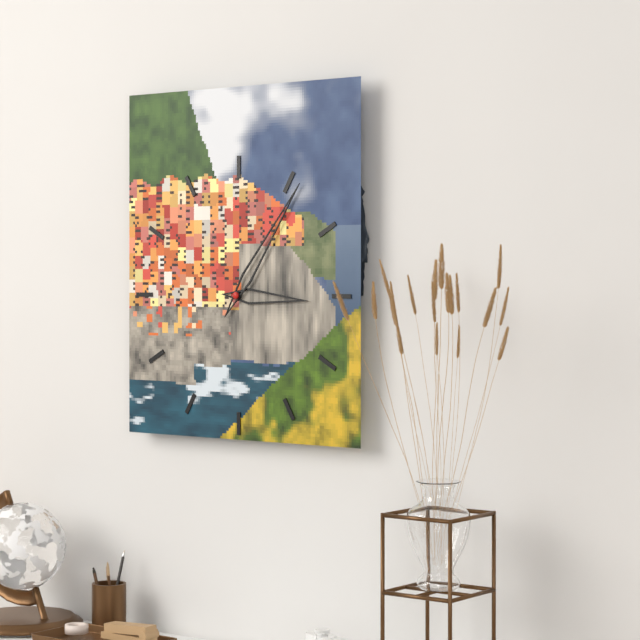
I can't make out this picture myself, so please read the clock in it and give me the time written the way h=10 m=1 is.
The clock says h=3 m=6
